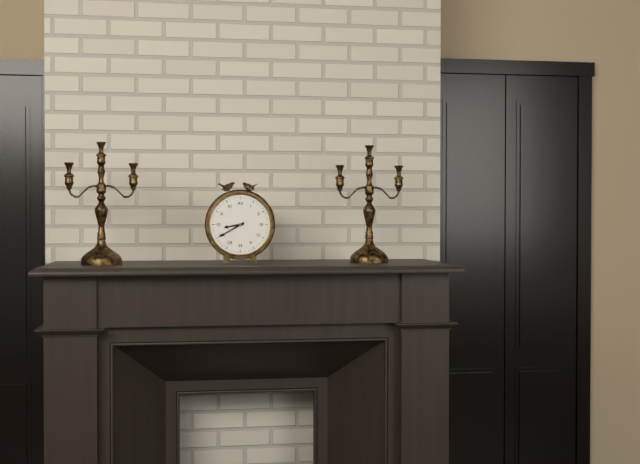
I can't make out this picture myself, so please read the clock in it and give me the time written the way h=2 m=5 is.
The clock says h=8 m=40
